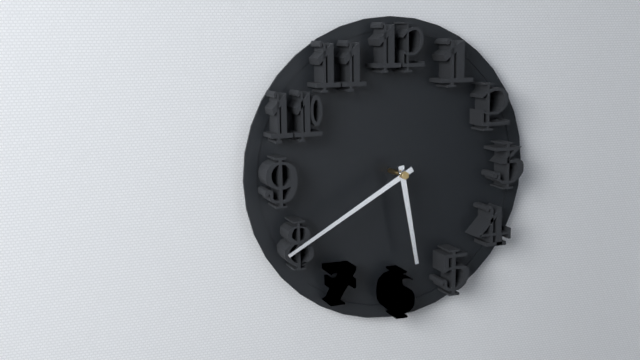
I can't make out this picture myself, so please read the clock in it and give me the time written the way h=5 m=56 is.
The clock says h=5 m=40
